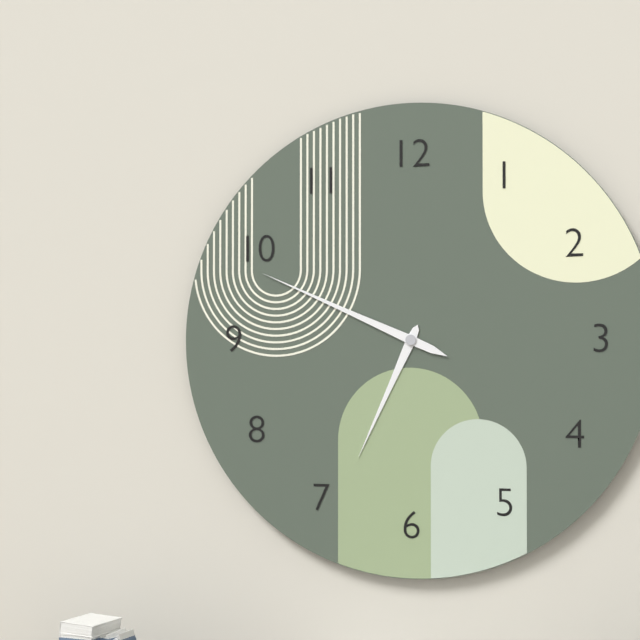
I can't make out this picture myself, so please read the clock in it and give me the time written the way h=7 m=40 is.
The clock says h=6 m=49
